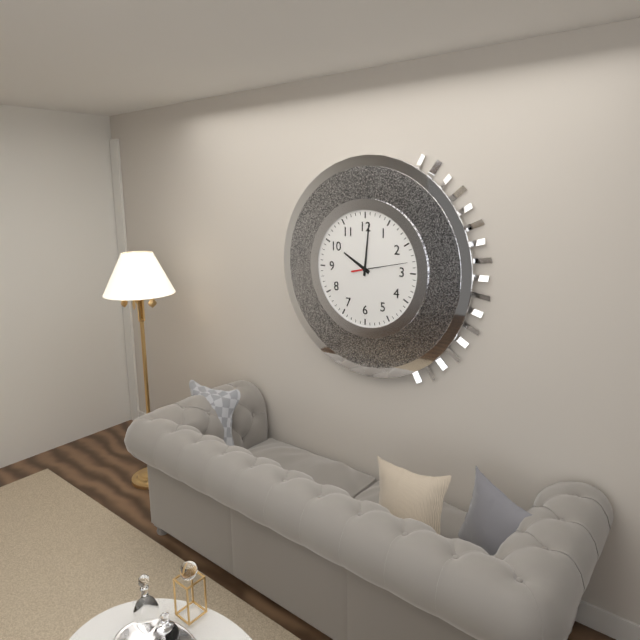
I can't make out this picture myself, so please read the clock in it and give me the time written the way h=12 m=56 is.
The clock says h=10 m=1
